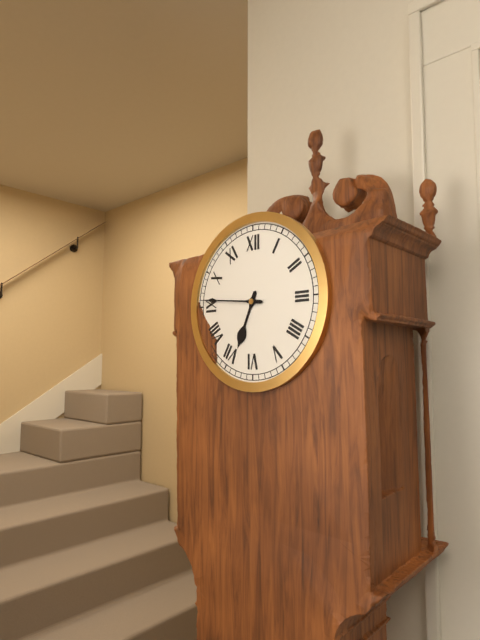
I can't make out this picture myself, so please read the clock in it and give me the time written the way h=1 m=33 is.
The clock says h=6 m=46
